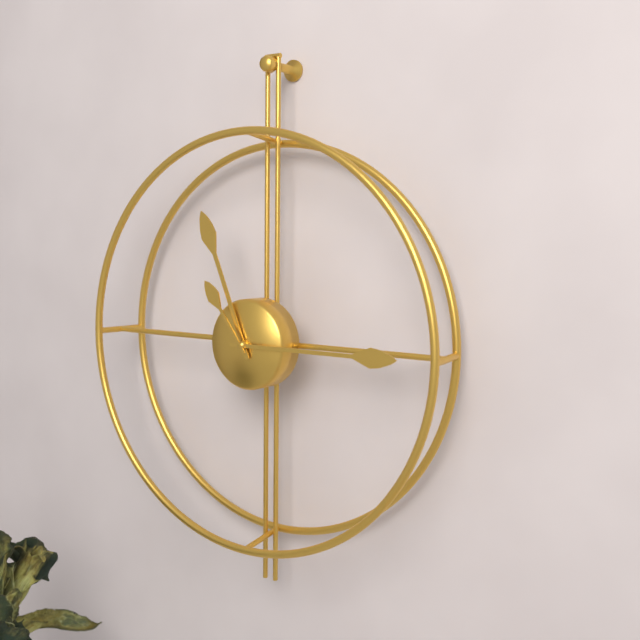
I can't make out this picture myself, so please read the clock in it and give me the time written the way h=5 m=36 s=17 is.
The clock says h=11 m=15 s=54
